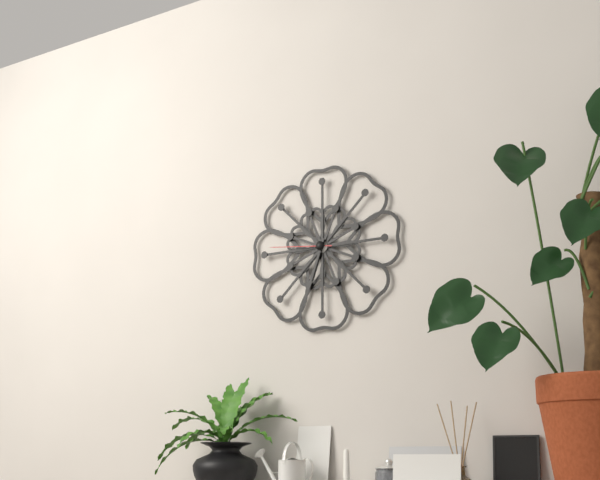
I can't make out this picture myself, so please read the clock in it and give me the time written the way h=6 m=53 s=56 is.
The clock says h=6 m=33 s=46
